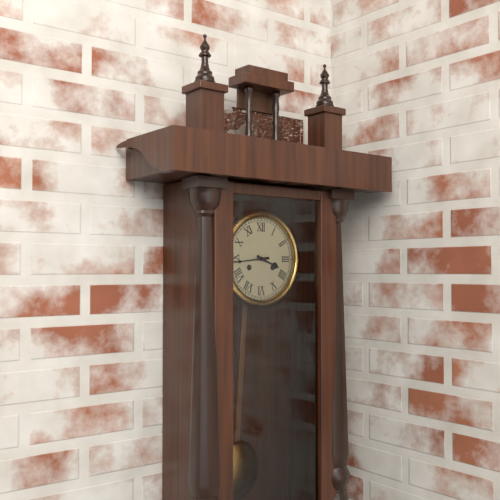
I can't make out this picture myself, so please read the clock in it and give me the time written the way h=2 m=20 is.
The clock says h=3 m=44
